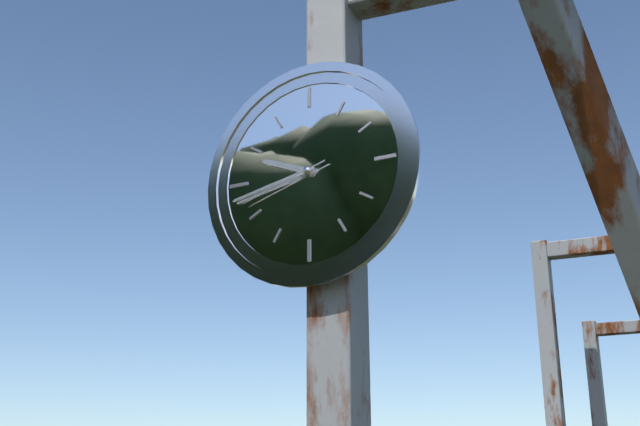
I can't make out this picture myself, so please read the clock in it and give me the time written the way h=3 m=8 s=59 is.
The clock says h=9 m=43 s=42
